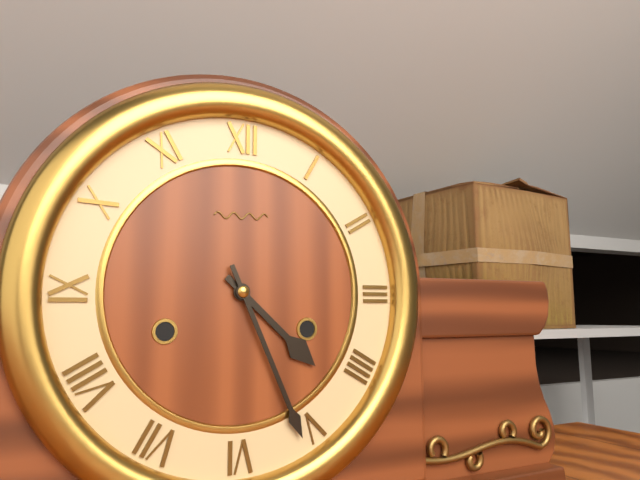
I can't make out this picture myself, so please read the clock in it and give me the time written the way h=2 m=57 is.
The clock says h=4 m=26
